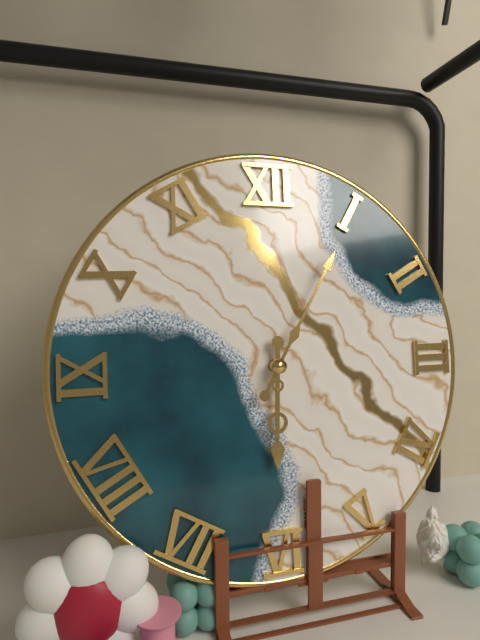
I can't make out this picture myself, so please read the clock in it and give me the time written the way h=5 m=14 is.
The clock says h=6 m=5
